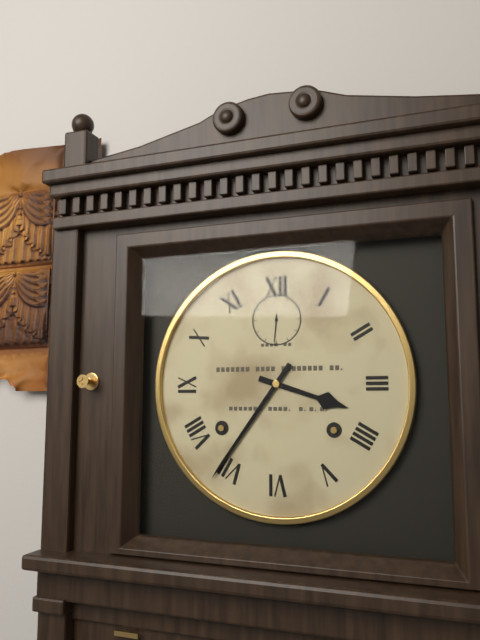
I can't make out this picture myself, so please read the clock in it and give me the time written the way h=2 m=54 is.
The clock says h=3 m=36
